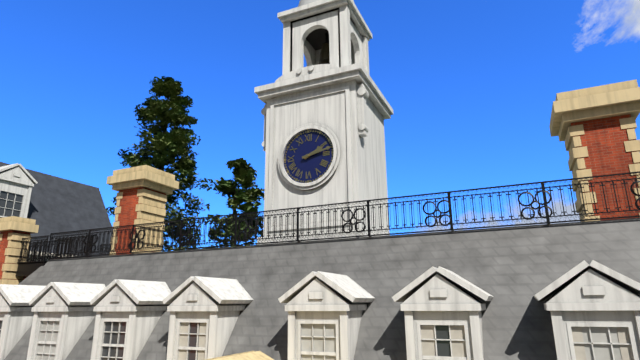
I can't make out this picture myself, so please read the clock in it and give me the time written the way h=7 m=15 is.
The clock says h=2 m=13
